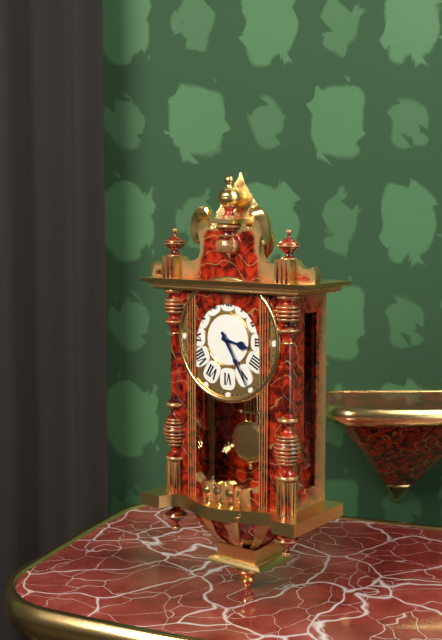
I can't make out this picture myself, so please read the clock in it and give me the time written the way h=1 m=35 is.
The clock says h=3 m=25
